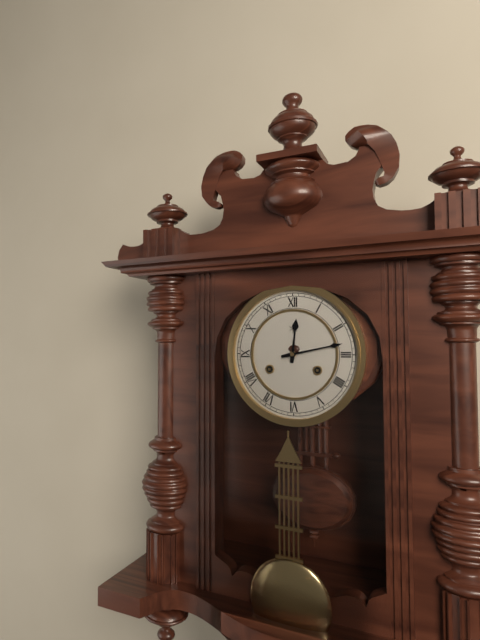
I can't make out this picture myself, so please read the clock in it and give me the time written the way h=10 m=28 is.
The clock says h=12 m=13
